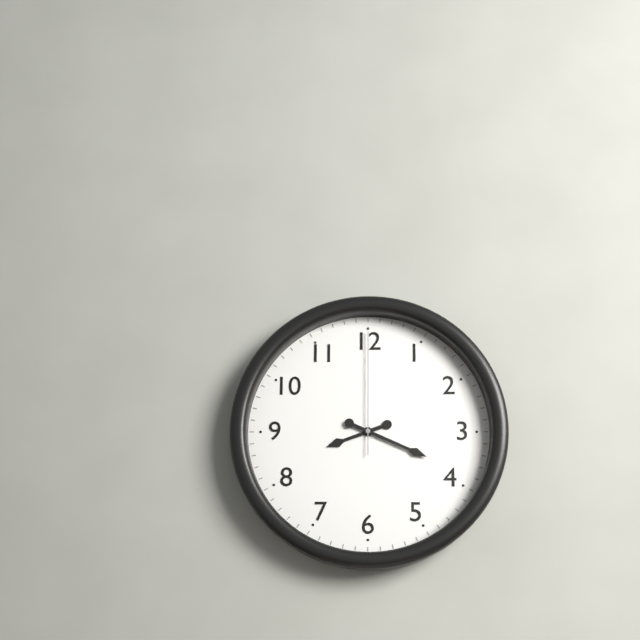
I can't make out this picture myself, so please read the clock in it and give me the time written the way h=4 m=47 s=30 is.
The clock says h=8 m=19 s=0
